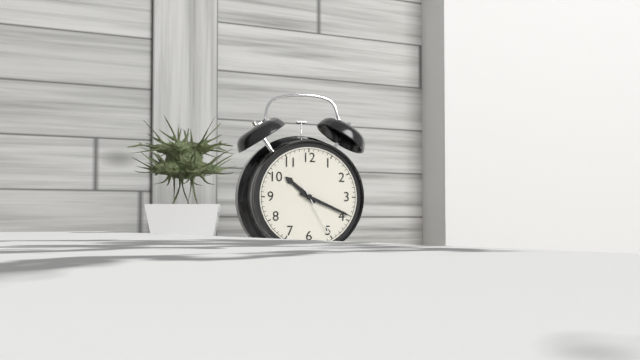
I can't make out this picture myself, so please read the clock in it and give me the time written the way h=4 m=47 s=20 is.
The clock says h=10 m=19 s=25
